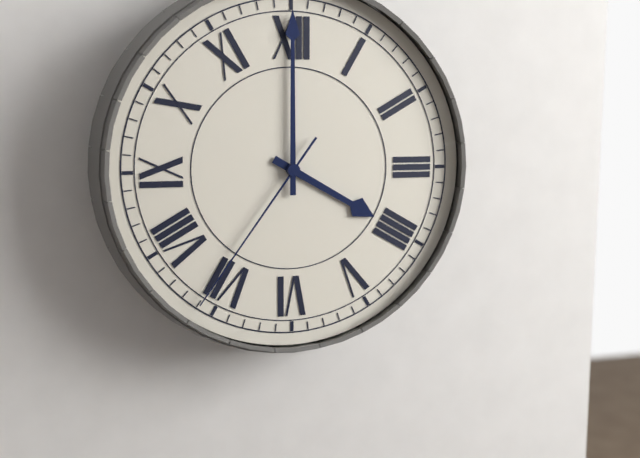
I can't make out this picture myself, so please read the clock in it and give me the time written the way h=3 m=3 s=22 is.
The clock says h=4 m=0 s=36
